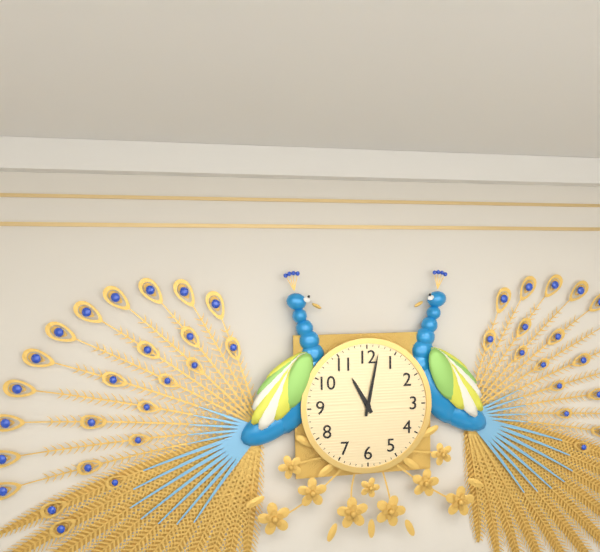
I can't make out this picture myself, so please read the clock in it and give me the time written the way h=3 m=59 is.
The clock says h=11 m=2
